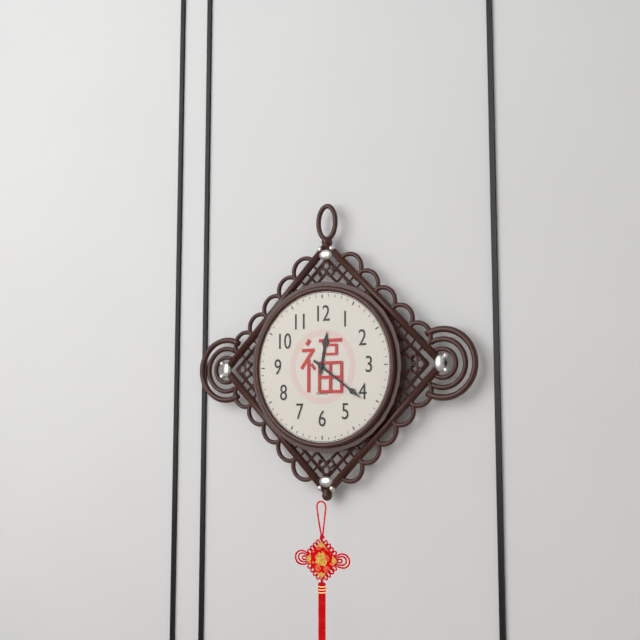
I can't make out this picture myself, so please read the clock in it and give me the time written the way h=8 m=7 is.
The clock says h=12 m=21
